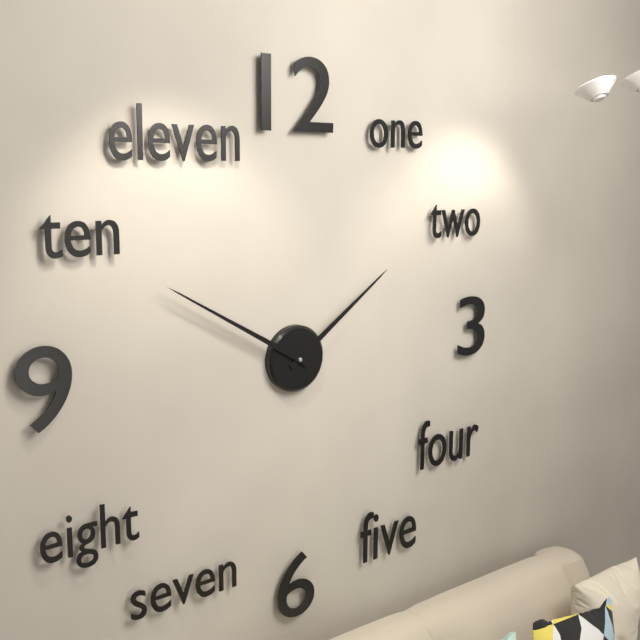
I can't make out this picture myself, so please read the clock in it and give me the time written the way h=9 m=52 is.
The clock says h=1 m=50
